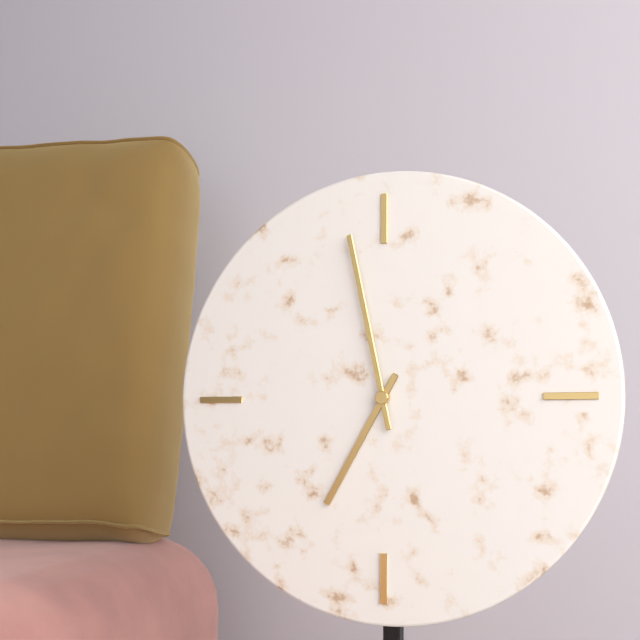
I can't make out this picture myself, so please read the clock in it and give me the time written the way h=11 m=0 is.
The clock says h=6 m=58
